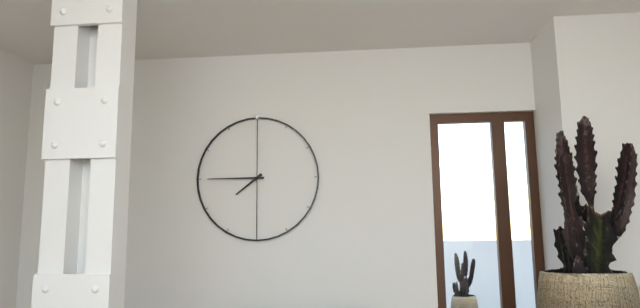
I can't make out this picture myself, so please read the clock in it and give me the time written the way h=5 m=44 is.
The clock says h=7 m=45
